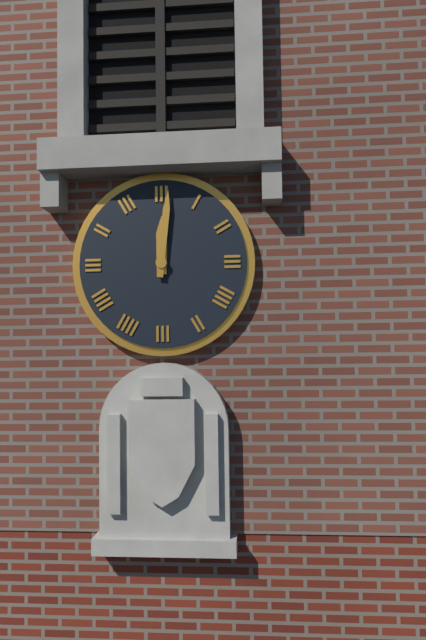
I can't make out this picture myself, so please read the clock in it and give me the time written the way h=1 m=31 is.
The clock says h=12 m=1
